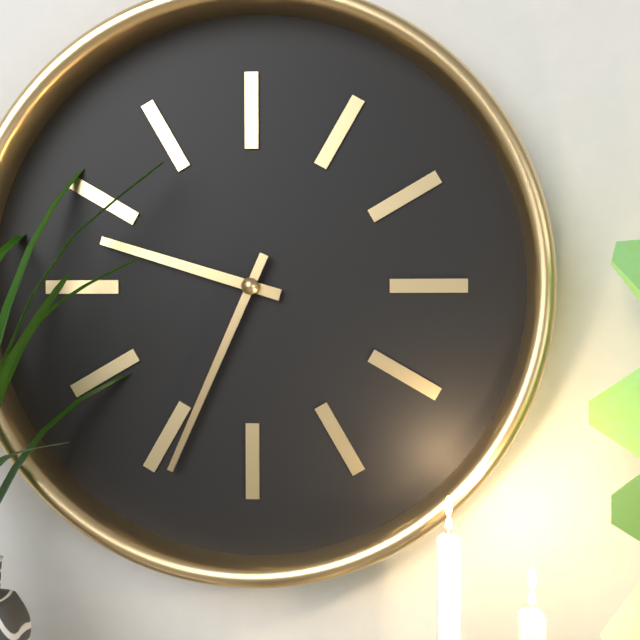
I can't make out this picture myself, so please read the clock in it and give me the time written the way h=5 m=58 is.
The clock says h=9 m=34
